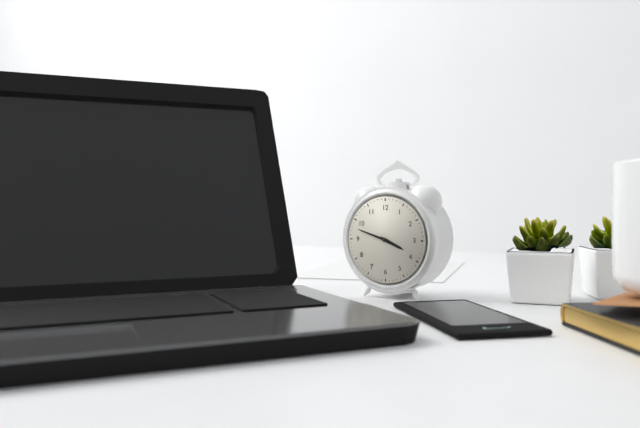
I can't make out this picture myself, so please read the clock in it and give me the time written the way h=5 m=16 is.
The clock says h=3 m=48
